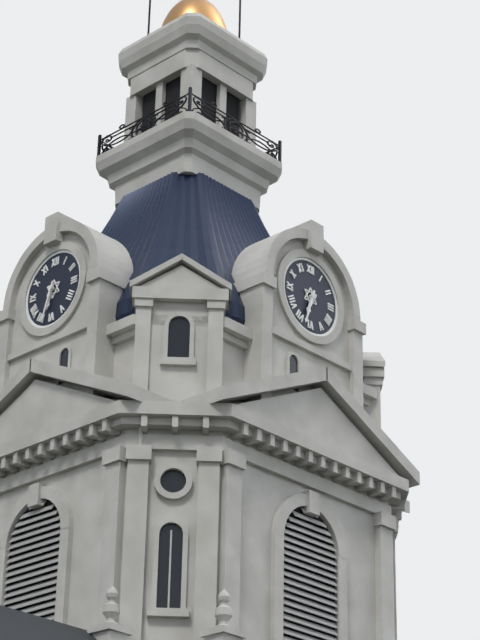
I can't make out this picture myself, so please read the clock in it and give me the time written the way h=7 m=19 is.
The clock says h=6 m=33
